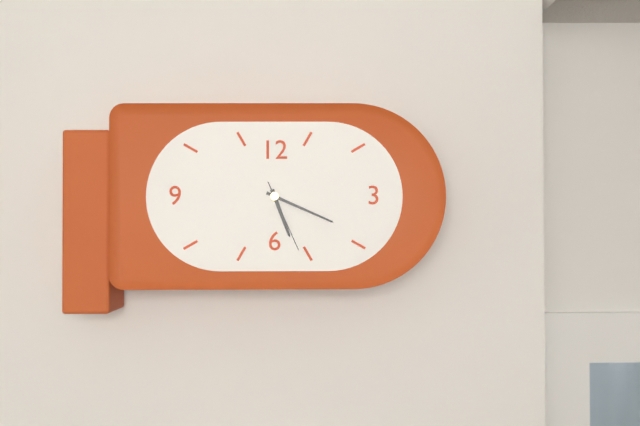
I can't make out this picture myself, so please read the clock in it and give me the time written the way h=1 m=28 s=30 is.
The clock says h=5 m=19 s=26
